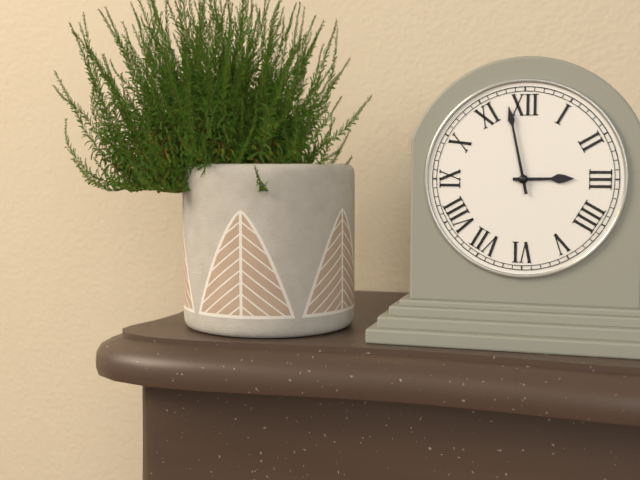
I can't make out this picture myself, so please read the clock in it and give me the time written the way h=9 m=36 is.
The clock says h=2 m=58
